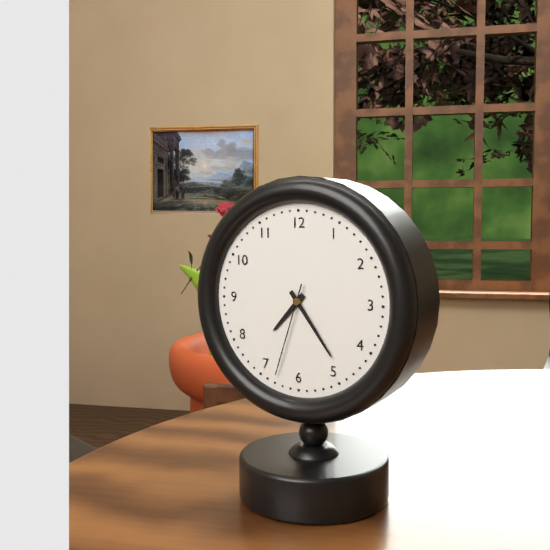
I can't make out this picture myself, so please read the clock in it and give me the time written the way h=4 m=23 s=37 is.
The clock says h=7 m=24 s=33
